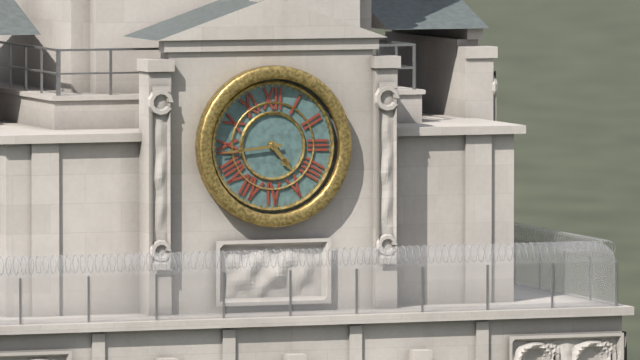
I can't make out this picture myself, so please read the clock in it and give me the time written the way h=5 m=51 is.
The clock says h=4 m=44
